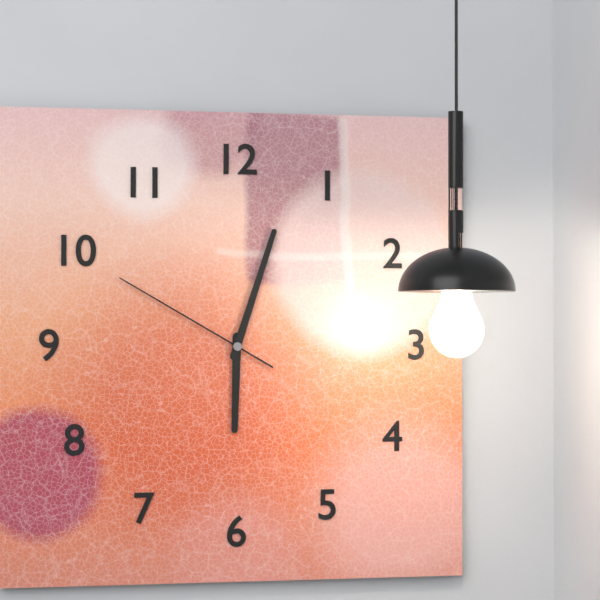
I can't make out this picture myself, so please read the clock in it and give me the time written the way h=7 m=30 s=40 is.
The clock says h=6 m=3 s=50
